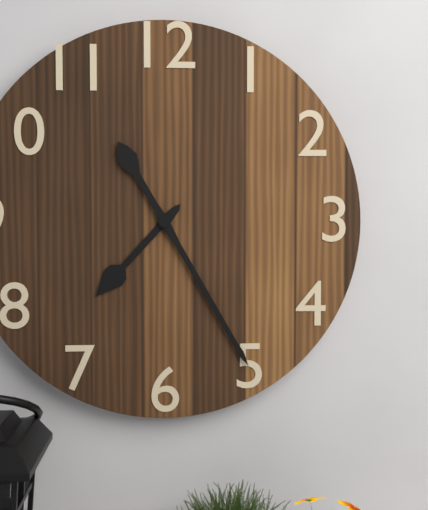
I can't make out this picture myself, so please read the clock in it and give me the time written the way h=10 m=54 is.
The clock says h=7 m=25
